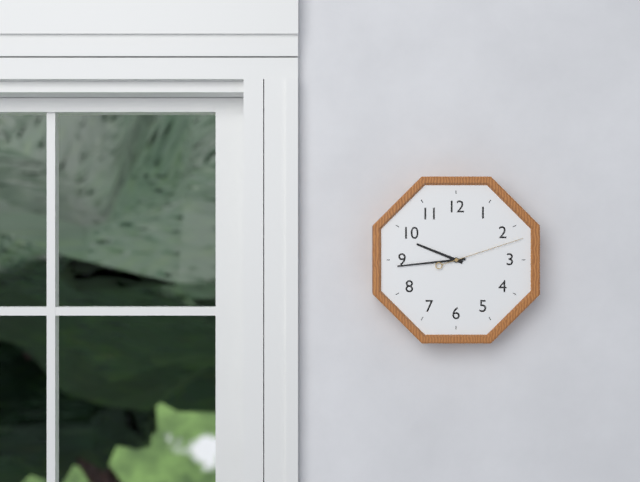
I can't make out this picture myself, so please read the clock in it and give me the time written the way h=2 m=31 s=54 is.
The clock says h=9 m=44 s=12
